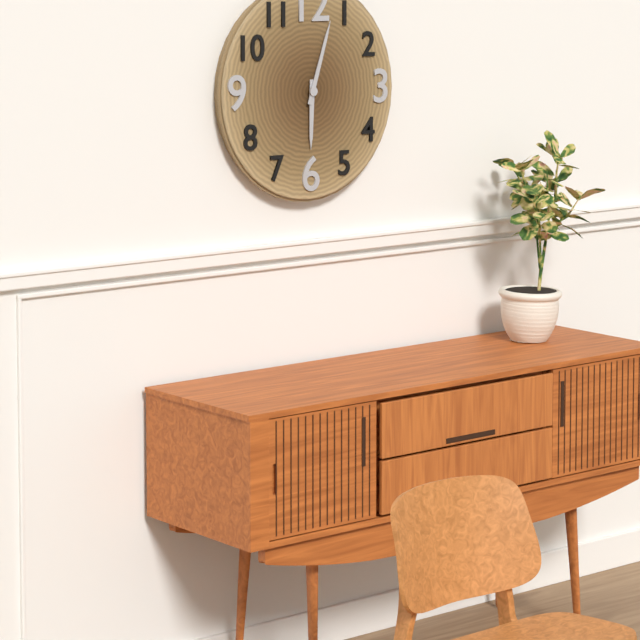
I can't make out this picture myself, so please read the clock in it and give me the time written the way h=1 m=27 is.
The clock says h=6 m=3
